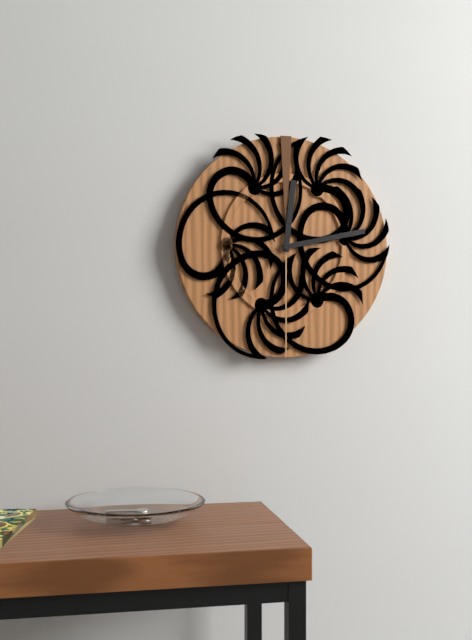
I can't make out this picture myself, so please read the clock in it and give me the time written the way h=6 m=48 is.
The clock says h=12 m=13
